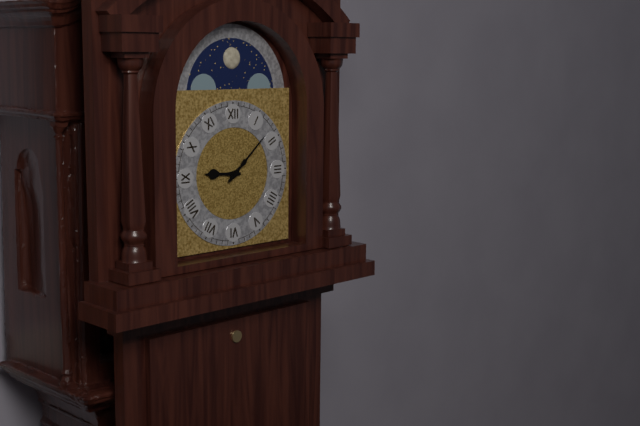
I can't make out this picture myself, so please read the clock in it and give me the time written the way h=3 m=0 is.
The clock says h=9 m=8
